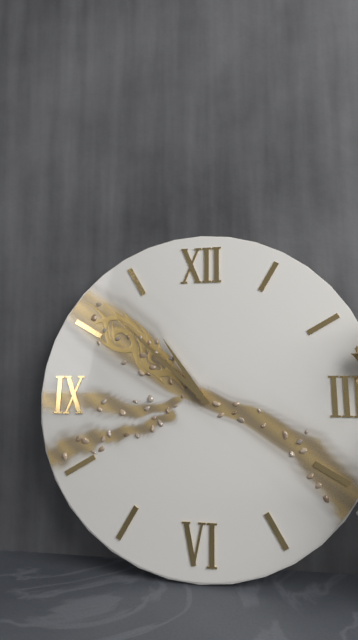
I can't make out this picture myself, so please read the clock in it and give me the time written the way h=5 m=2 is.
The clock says h=10 m=52
